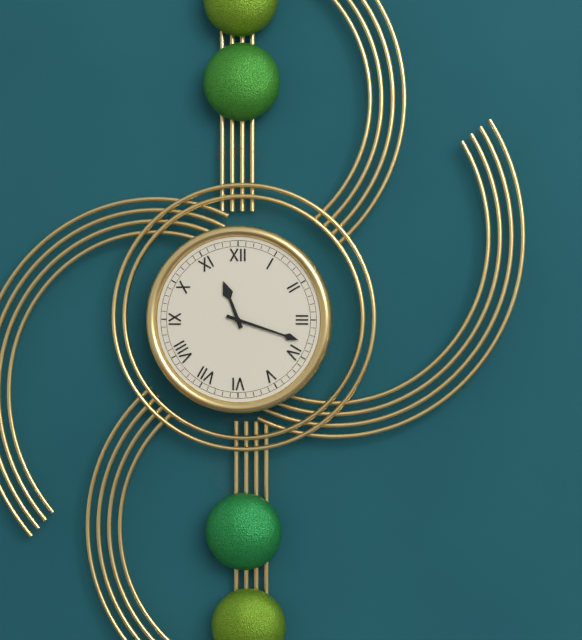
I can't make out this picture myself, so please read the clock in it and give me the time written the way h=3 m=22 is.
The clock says h=11 m=18
